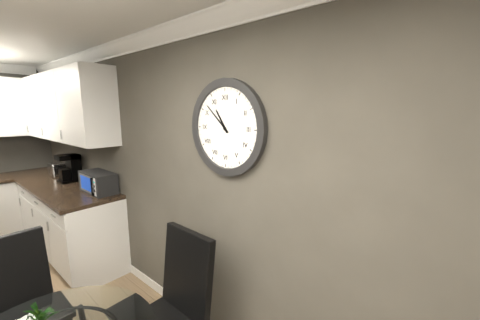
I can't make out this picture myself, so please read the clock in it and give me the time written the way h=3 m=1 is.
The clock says h=10 m=52
